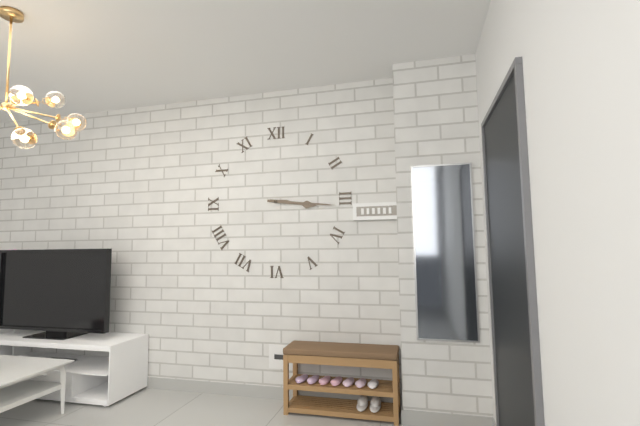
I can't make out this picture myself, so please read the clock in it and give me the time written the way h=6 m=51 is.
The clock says h=3 m=16
